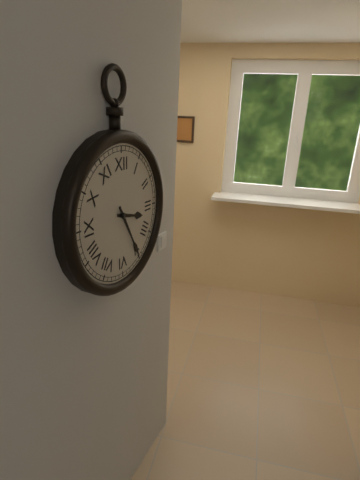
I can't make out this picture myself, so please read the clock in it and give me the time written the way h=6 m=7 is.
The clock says h=3 m=25
